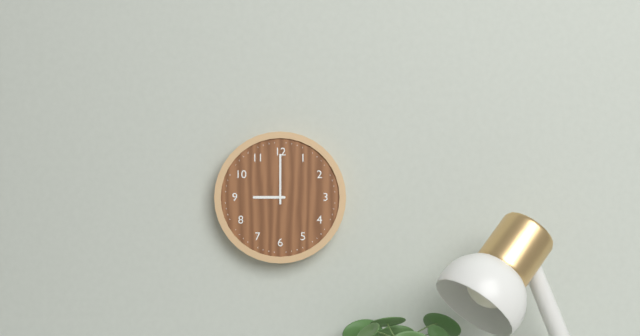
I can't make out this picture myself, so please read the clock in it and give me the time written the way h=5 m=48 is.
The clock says h=9 m=0
